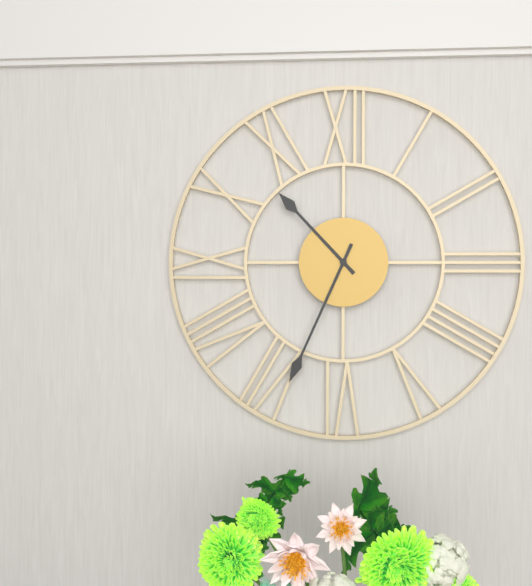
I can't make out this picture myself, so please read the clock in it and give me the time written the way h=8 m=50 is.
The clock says h=10 m=34
